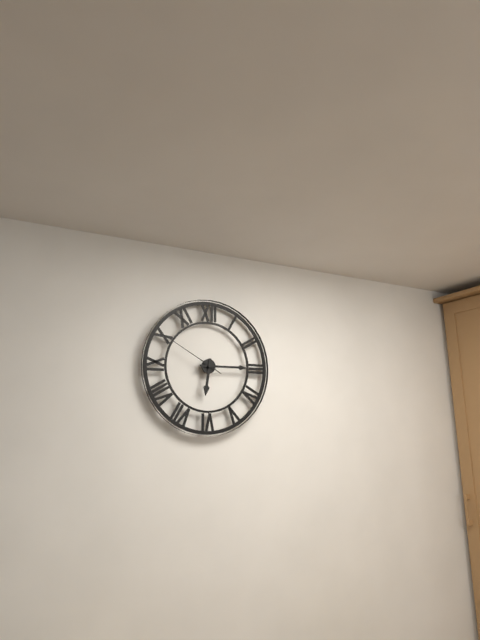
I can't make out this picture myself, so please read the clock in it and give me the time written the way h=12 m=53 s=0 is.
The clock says h=6 m=15 s=50
